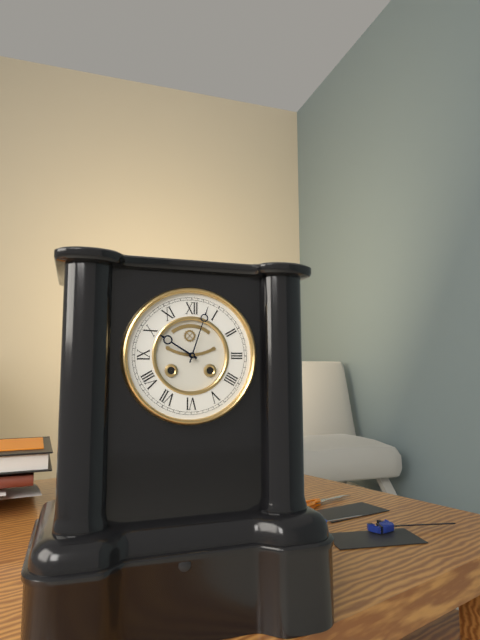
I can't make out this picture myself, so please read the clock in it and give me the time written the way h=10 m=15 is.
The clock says h=10 m=3
